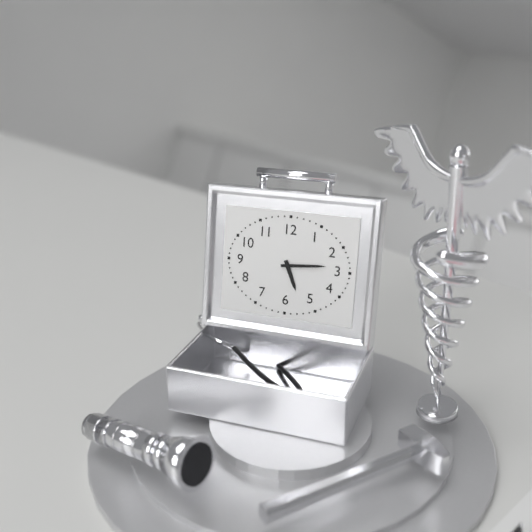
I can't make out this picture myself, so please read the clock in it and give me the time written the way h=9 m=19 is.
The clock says h=5 m=14
